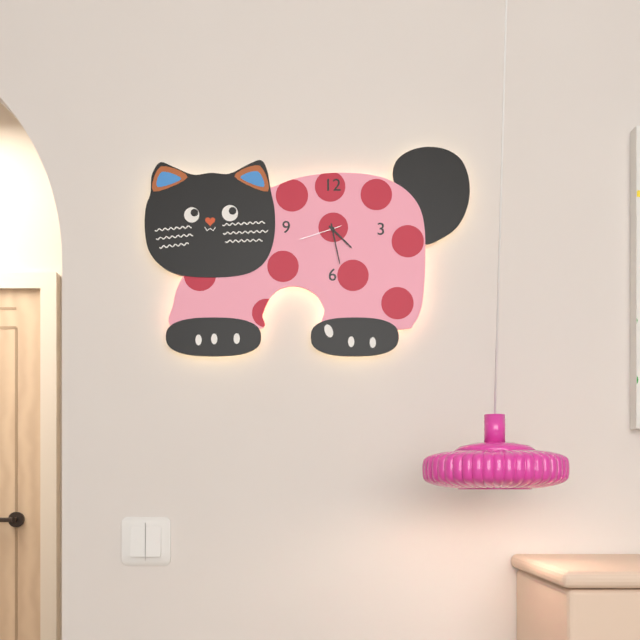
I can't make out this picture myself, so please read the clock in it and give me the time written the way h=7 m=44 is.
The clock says h=4 m=28
